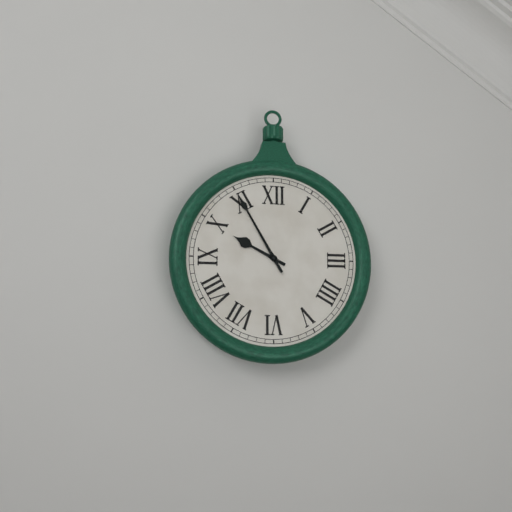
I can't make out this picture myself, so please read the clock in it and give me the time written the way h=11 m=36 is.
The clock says h=9 m=55
